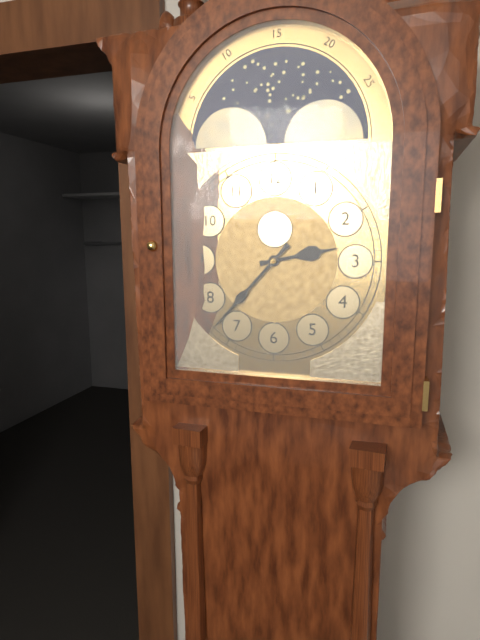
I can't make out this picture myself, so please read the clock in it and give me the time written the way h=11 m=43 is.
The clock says h=2 m=37
